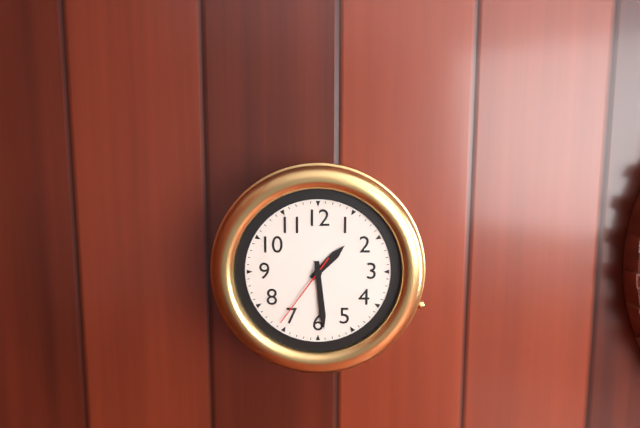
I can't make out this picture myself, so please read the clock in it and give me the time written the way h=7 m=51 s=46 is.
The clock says h=1 m=29 s=36
